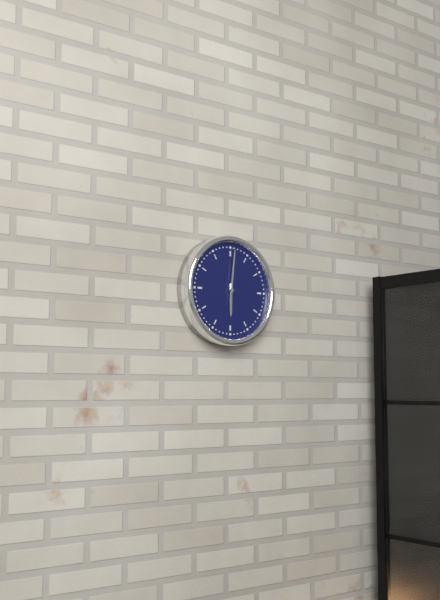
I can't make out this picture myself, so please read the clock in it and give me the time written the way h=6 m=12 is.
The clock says h=6 m=1
